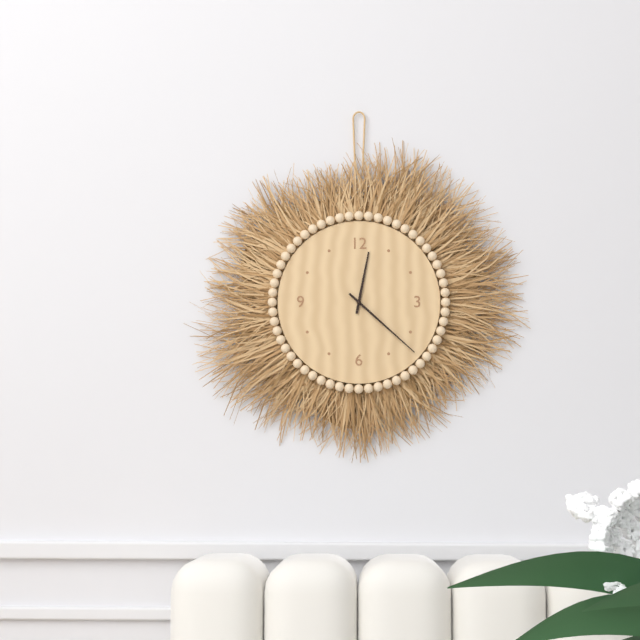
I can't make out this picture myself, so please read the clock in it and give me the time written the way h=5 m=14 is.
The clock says h=12 m=22
